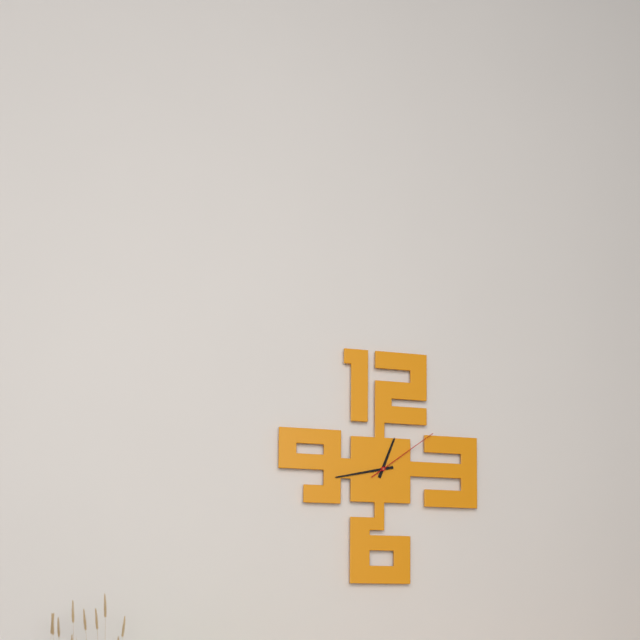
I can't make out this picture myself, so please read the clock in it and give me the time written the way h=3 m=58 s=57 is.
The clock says h=12 m=43 s=9
